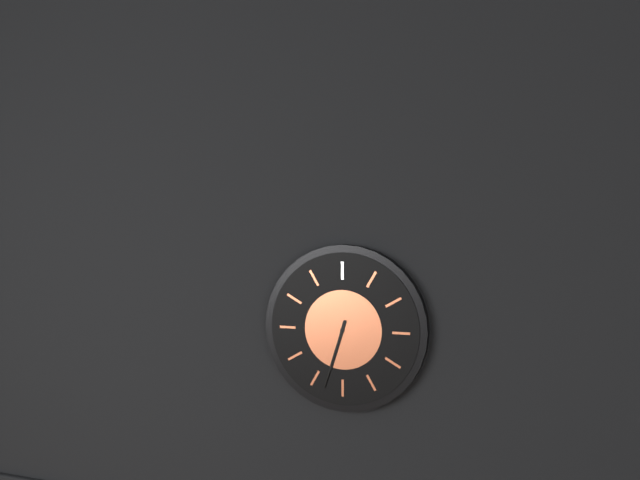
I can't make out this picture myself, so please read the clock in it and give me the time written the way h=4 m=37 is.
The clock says h=6 m=33
